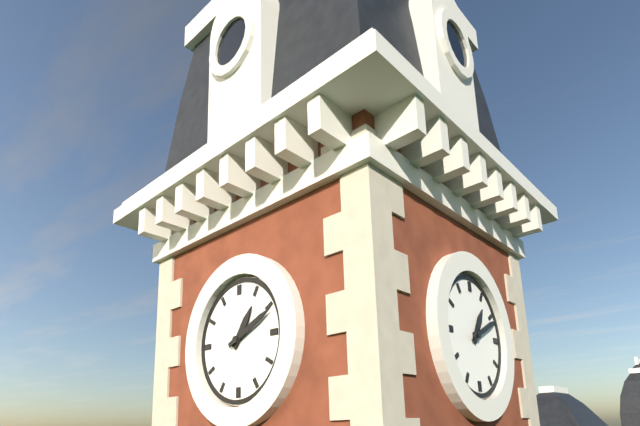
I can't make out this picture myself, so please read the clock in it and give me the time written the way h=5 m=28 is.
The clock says h=1 m=11
